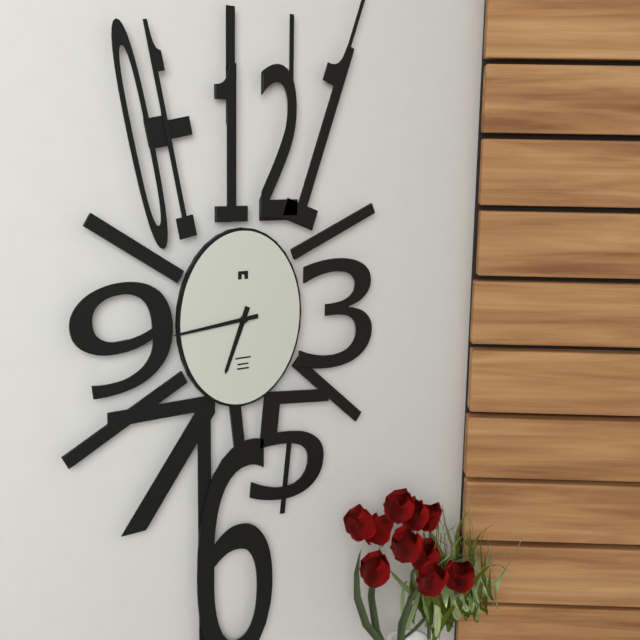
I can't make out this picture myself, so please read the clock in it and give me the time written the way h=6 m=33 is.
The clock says h=6 m=44
